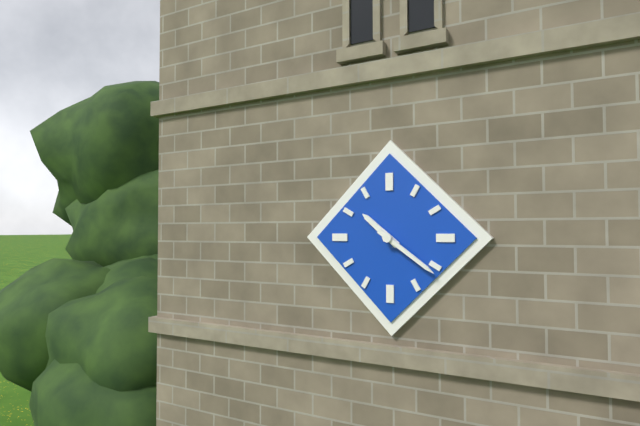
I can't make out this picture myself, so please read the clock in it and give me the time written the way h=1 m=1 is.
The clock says h=10 m=21
